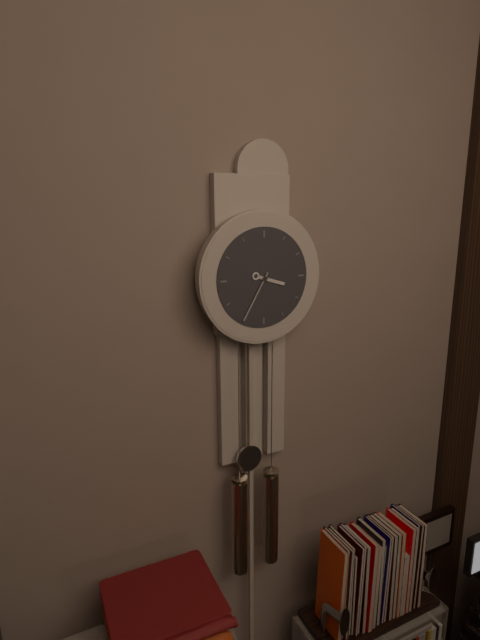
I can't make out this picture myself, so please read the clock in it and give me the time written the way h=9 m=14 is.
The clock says h=3 m=35
